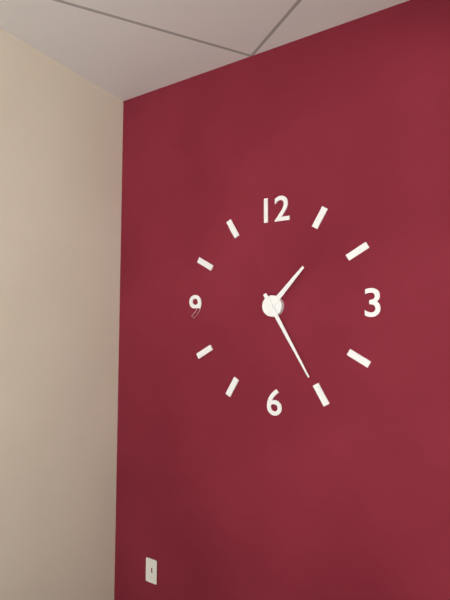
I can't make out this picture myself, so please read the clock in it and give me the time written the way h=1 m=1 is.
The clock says h=1 m=25
